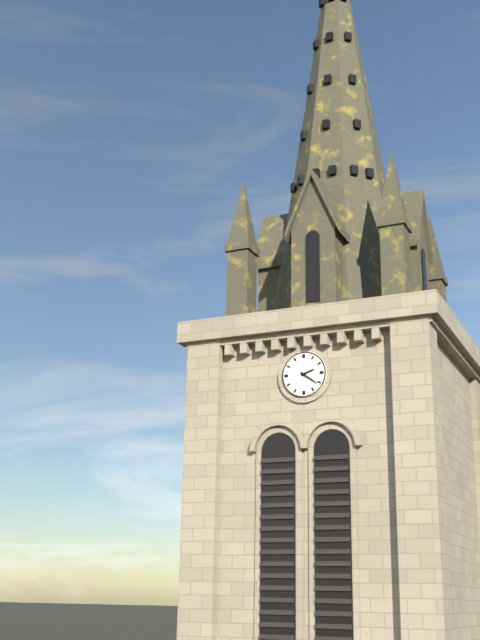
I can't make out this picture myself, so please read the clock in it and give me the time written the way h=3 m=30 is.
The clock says h=2 m=21
